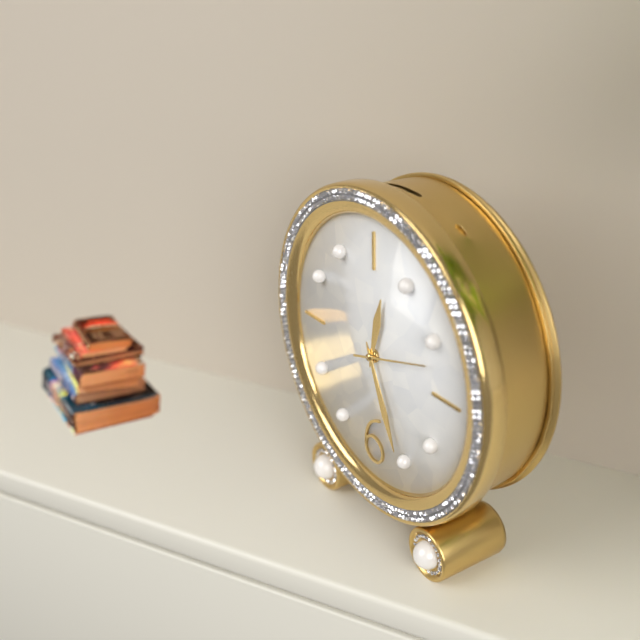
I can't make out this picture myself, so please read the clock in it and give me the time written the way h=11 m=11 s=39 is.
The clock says h=12 m=26 s=12
